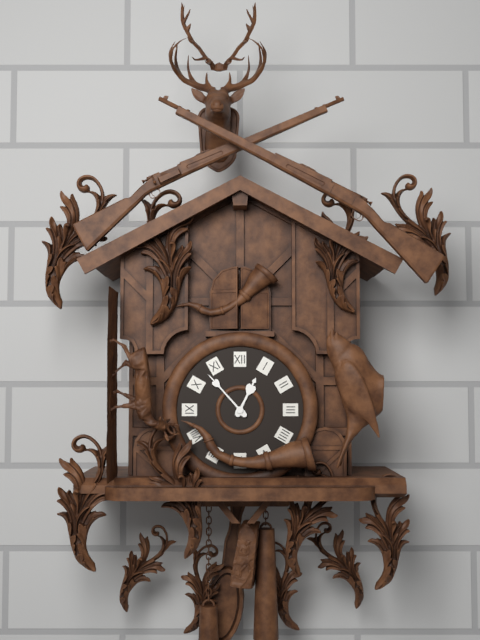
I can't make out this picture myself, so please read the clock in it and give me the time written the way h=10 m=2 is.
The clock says h=12 m=53
